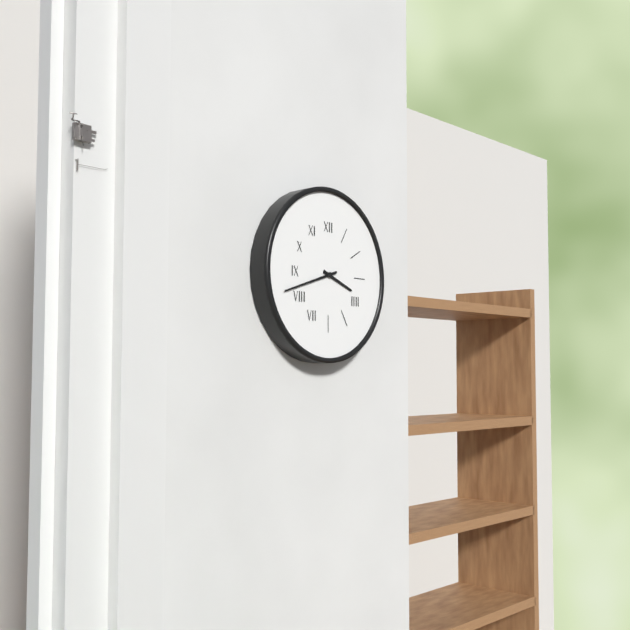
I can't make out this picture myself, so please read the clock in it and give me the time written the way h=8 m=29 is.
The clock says h=3 m=42
